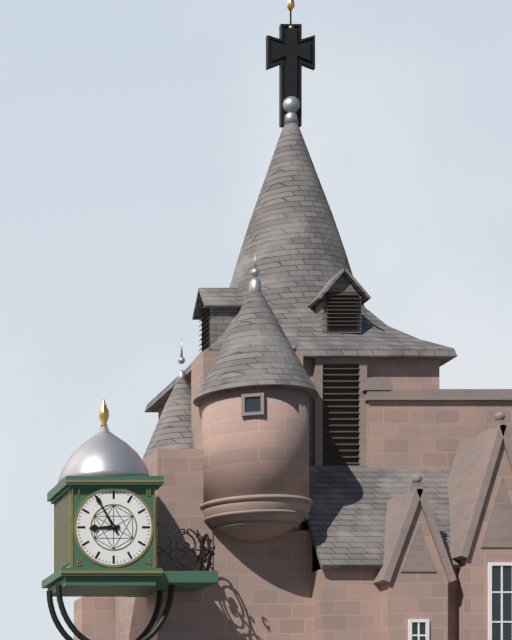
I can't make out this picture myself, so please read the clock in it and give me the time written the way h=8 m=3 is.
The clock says h=8 m=55
